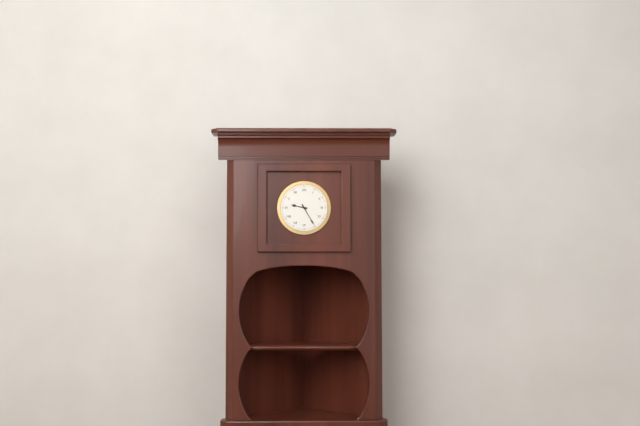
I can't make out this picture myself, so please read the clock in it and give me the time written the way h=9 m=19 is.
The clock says h=9 m=25
